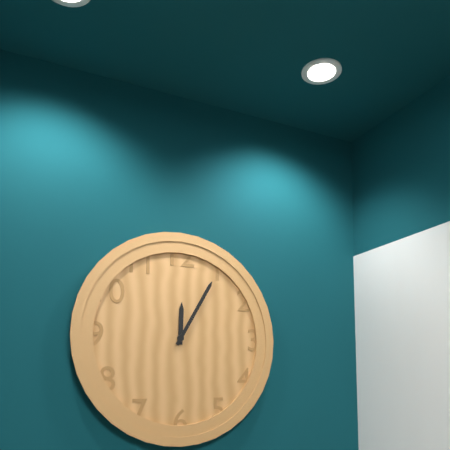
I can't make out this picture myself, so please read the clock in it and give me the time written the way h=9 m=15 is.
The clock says h=12 m=5
